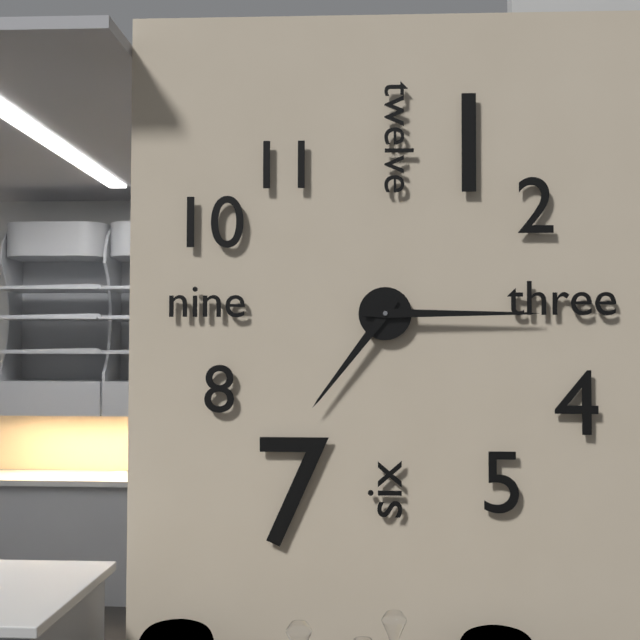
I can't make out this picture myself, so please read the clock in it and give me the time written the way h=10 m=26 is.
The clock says h=7 m=15
